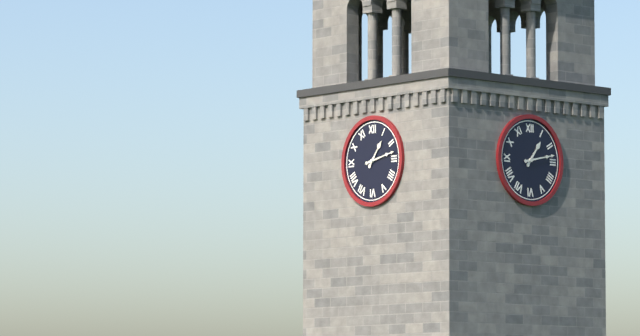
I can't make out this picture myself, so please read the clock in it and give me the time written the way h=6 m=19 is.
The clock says h=1 m=13
